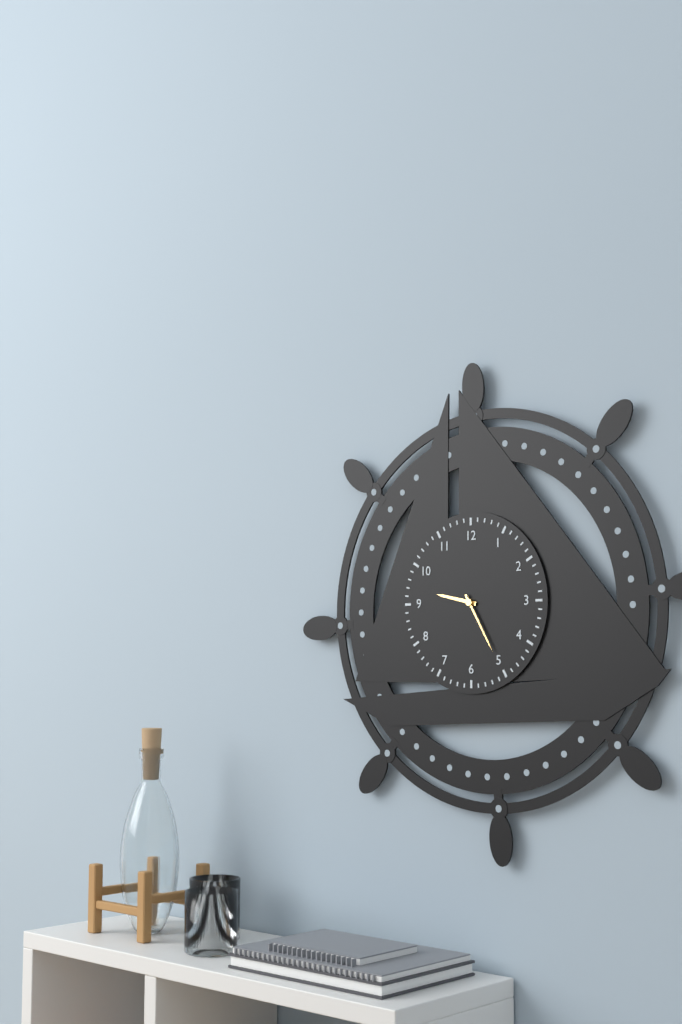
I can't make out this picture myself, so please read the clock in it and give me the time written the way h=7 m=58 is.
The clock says h=9 m=25
